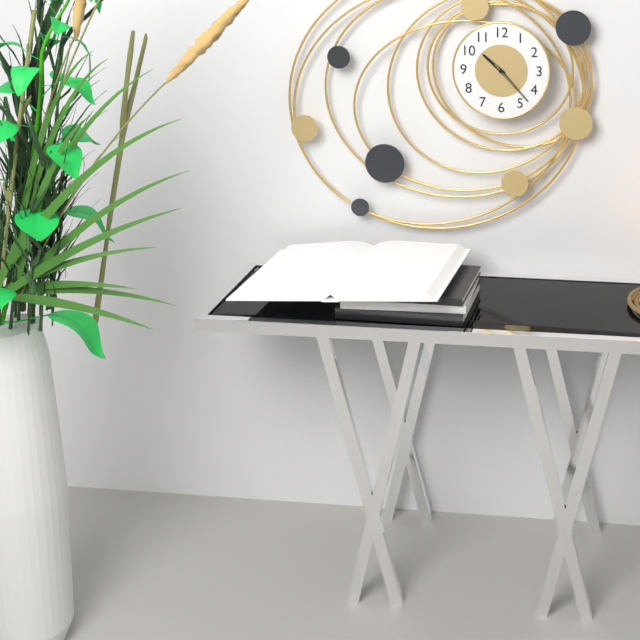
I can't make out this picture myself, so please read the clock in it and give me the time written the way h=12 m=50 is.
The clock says h=10 m=23
